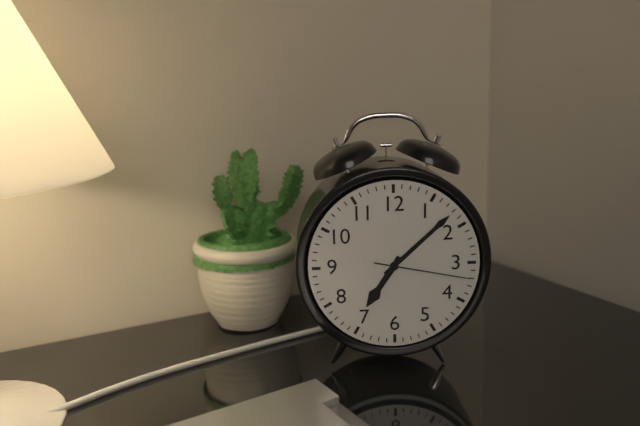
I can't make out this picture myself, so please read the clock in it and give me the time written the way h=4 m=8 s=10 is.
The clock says h=7 m=8 s=17
